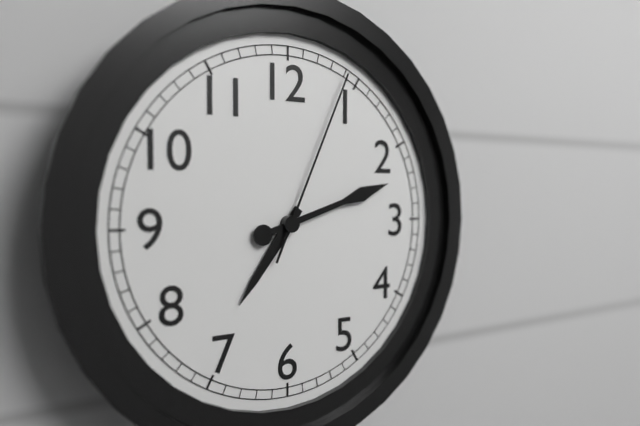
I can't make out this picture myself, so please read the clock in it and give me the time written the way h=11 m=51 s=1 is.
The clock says h=7 m=12 s=4
